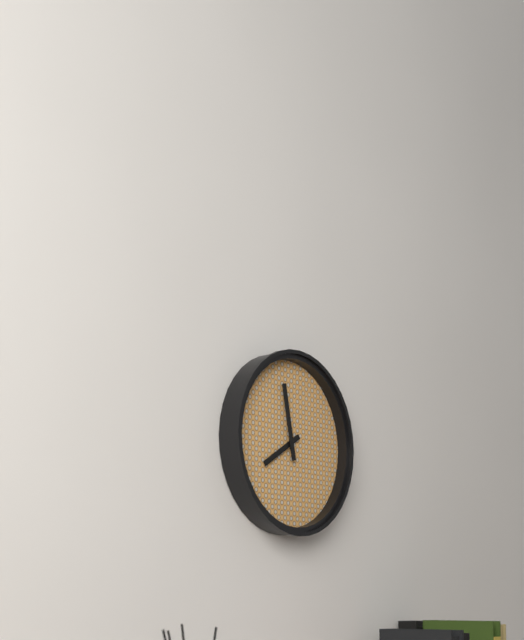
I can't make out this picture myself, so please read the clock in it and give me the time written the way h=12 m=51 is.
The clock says h=7 m=58
